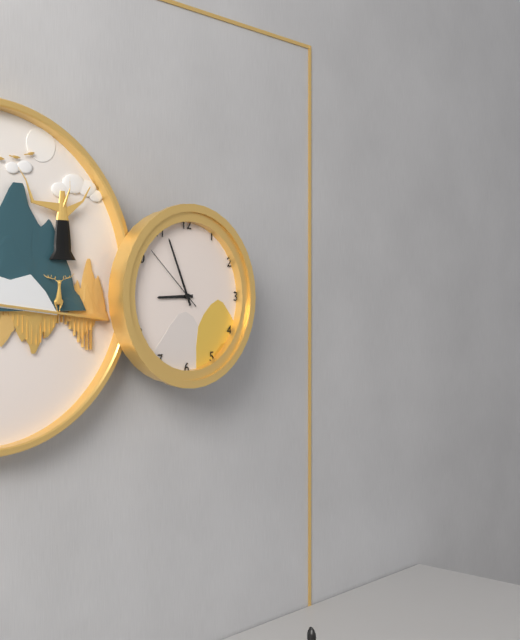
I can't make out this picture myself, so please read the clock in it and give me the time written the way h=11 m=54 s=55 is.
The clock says h=8 m=56 s=52
